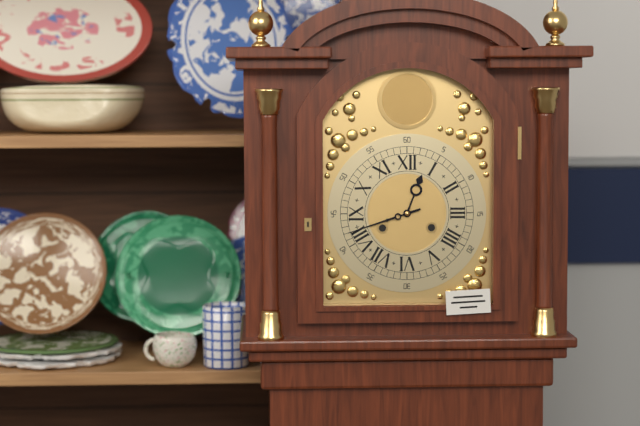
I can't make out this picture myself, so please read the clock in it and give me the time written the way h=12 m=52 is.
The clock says h=12 m=42
